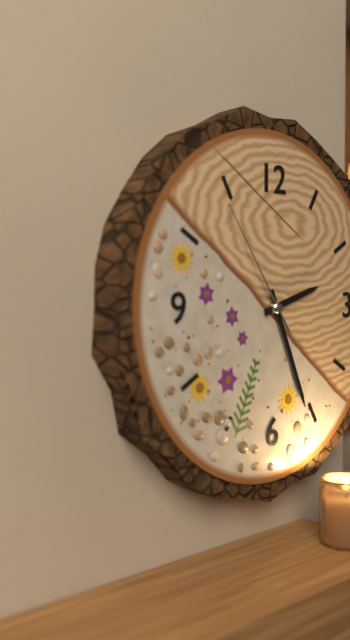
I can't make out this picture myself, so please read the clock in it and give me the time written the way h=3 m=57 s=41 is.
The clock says h=2 m=26 s=54
